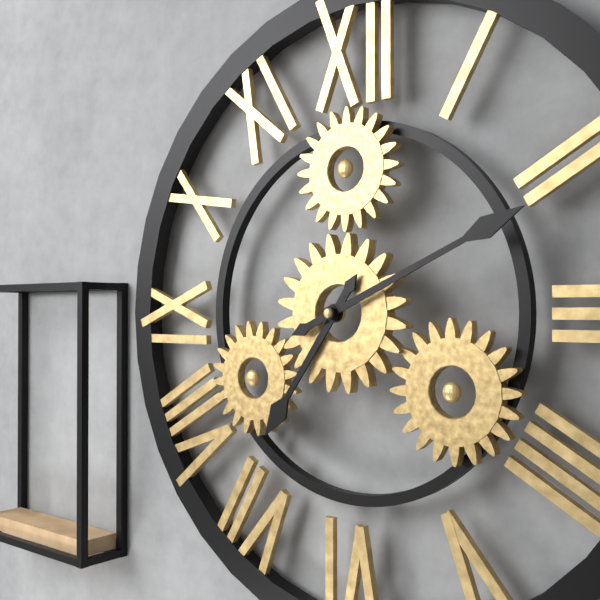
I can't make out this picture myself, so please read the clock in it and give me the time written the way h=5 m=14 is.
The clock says h=7 m=11
